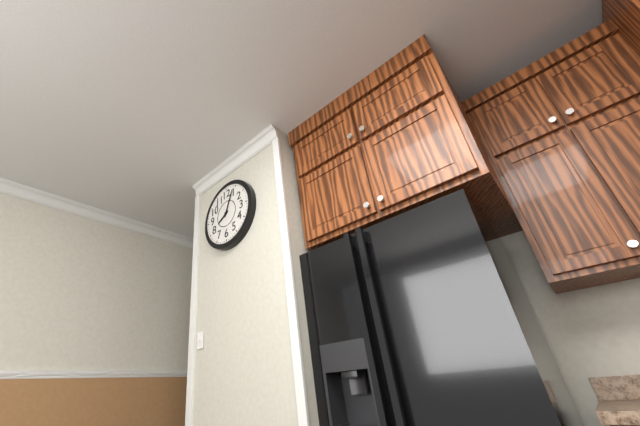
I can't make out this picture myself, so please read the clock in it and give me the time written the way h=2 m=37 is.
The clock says h=8 m=4
